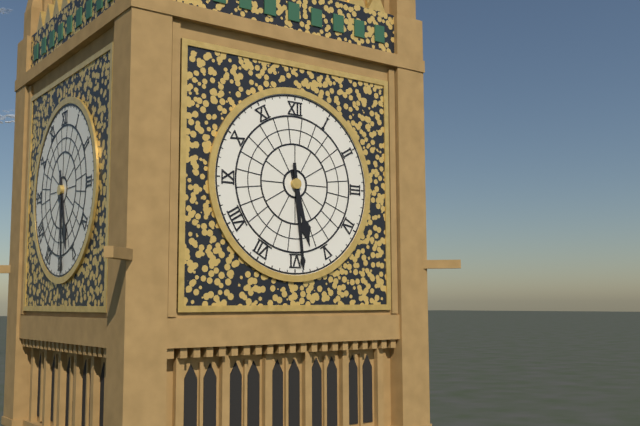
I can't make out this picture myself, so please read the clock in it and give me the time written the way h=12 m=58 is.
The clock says h=5 m=29
